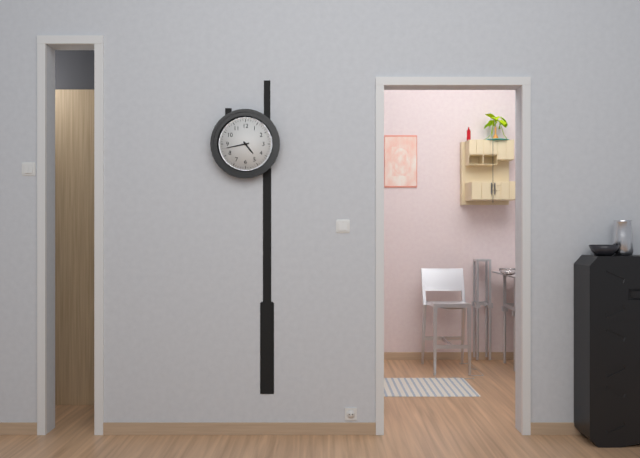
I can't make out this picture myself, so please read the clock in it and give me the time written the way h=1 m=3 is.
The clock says h=4 m=43
